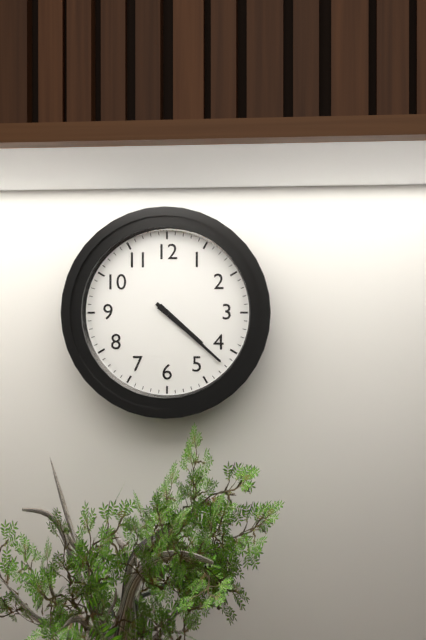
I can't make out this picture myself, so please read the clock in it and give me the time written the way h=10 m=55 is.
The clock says h=4 m=22
